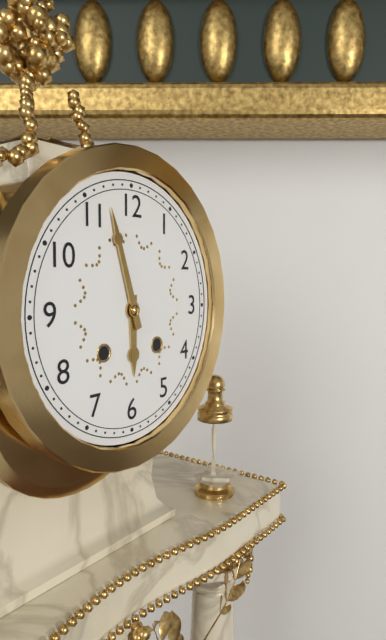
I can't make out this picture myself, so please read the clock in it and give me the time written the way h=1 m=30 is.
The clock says h=5 m=57
